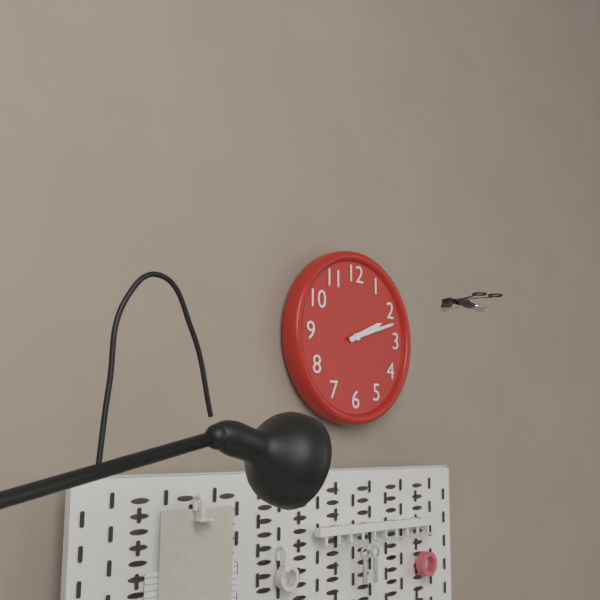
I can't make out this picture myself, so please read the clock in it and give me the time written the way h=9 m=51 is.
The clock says h=2 m=12
